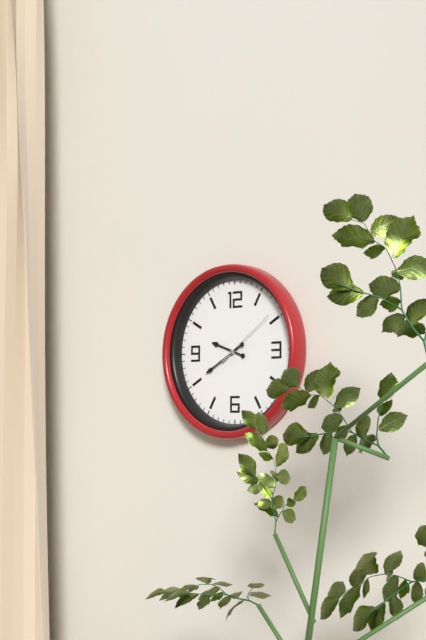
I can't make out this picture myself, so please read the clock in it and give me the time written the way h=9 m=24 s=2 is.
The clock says h=9 m=40 s=9
